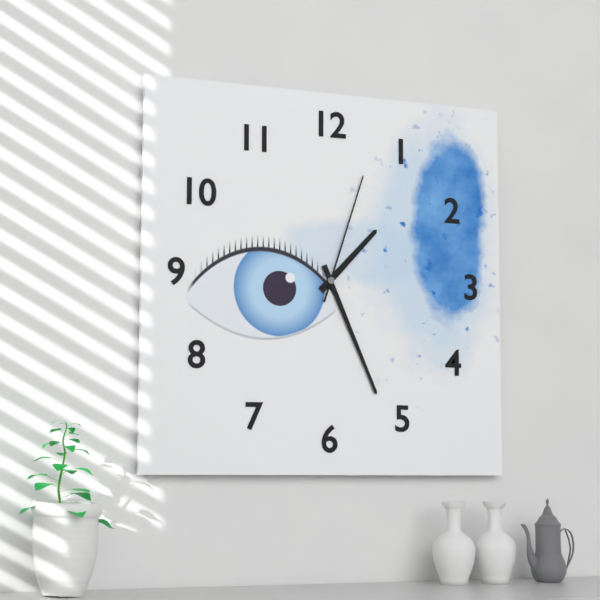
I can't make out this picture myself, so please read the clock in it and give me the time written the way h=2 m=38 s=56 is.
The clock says h=1 m=26 s=3
